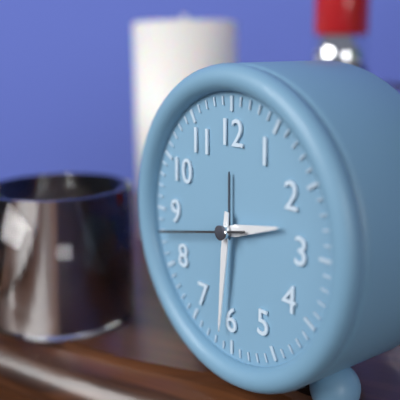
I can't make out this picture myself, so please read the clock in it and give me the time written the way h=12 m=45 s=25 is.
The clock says h=2 m=31 s=43
